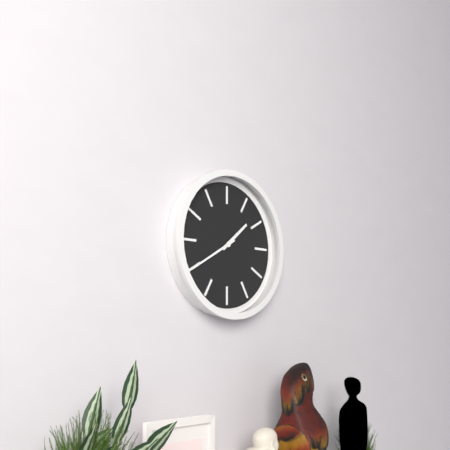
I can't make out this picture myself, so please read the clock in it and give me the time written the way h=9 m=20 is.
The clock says h=1 m=40
